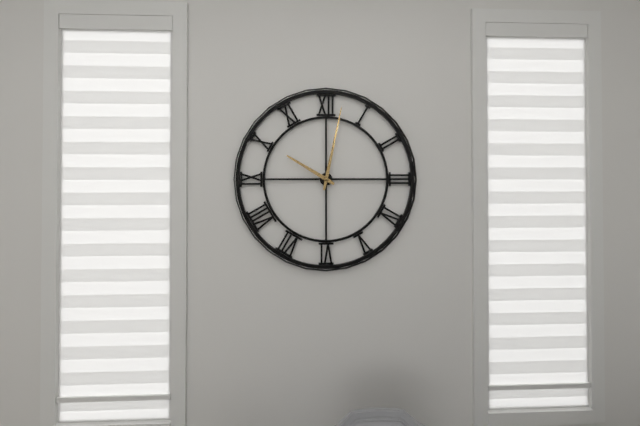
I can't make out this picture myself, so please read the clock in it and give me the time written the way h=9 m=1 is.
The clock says h=10 m=2
